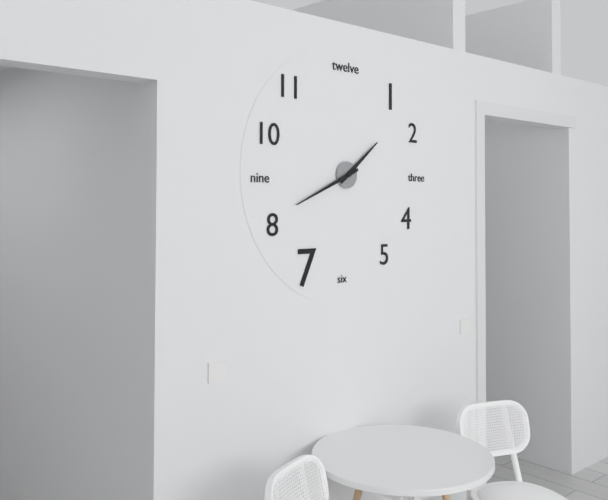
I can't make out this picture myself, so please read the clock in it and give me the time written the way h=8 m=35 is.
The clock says h=1 m=41
